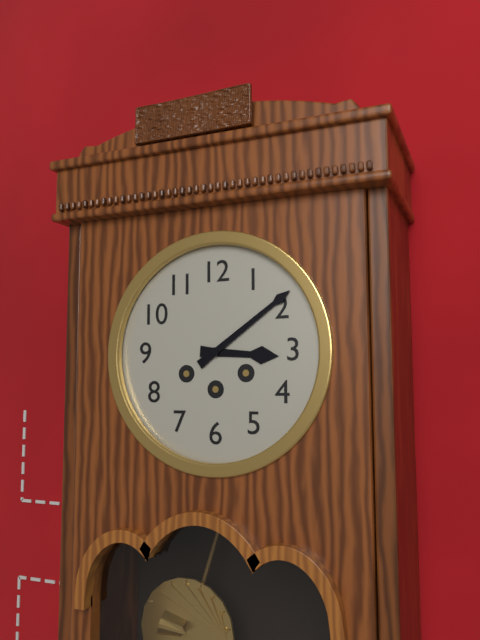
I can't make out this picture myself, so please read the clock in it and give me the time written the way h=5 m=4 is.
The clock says h=3 m=9
